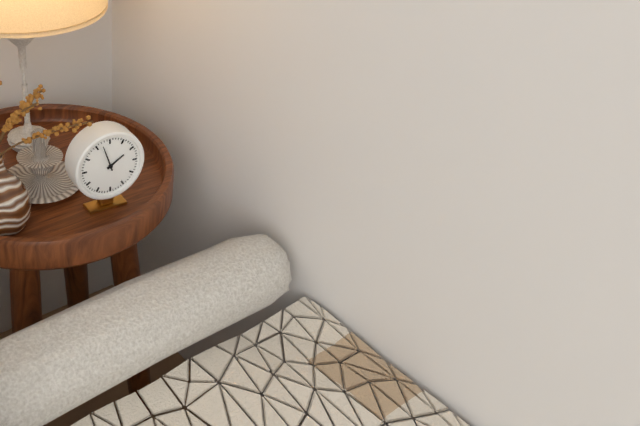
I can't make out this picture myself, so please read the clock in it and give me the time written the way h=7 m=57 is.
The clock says h=1 m=57
